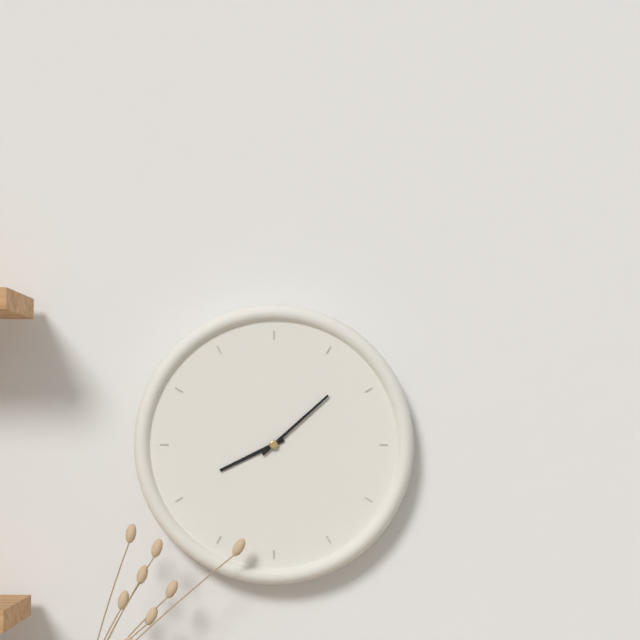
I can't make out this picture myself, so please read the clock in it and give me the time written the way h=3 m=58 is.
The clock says h=8 m=8
